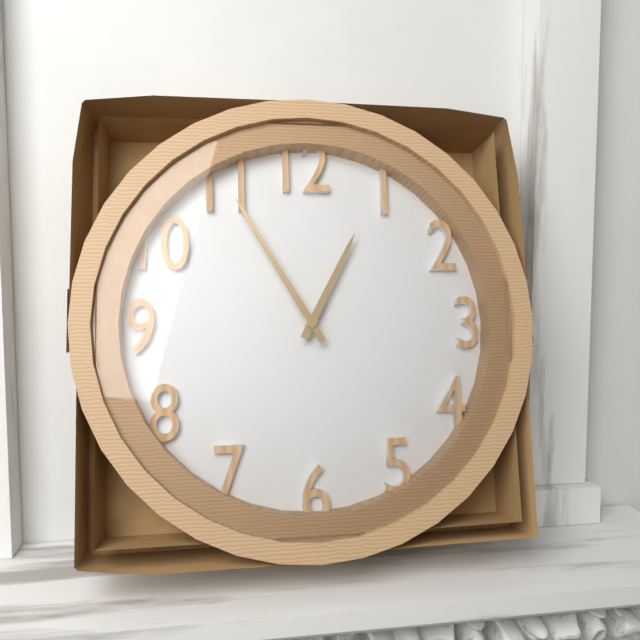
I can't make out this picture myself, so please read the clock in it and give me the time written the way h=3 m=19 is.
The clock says h=12 m=55
